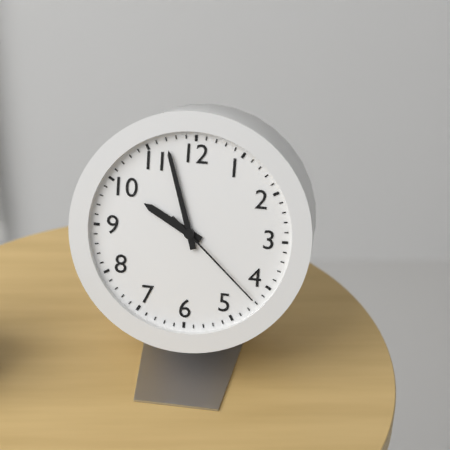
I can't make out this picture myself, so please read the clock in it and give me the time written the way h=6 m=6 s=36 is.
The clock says h=9 m=57 s=22
